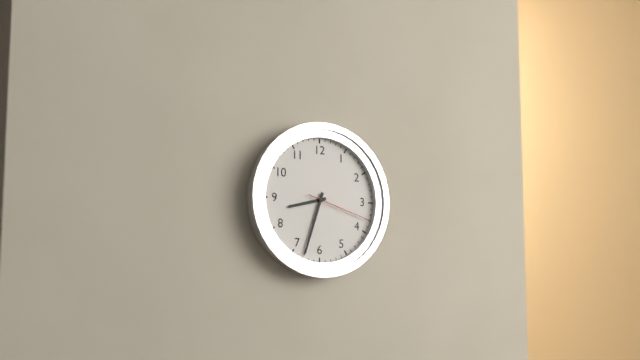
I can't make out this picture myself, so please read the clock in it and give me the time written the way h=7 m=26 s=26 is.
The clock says h=8 m=33 s=18
